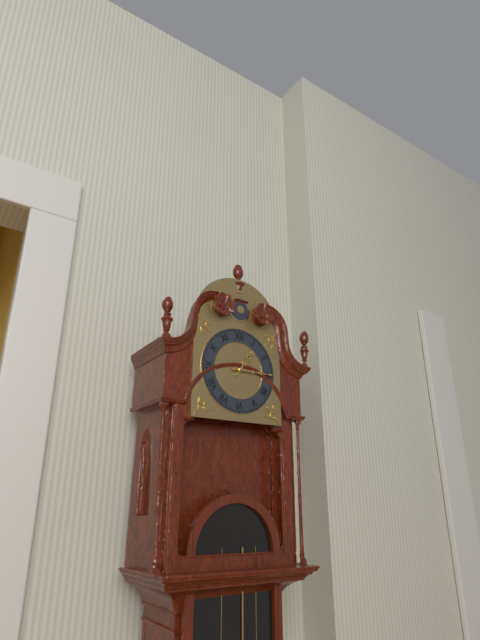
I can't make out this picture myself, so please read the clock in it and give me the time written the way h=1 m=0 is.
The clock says h=1 m=15
